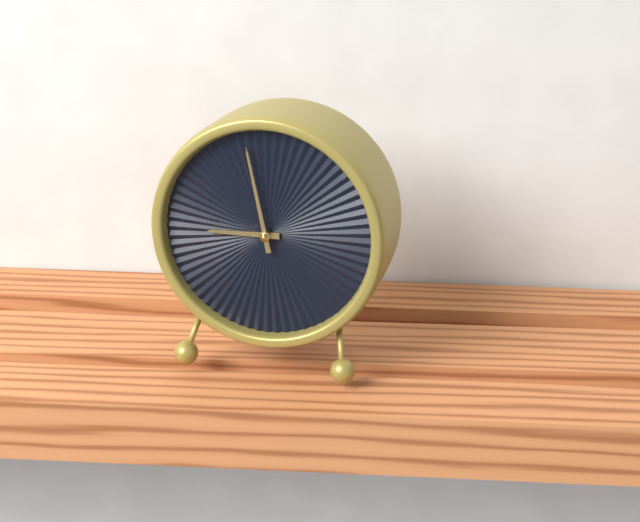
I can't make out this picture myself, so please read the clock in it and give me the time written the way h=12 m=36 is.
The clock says h=8 m=58
